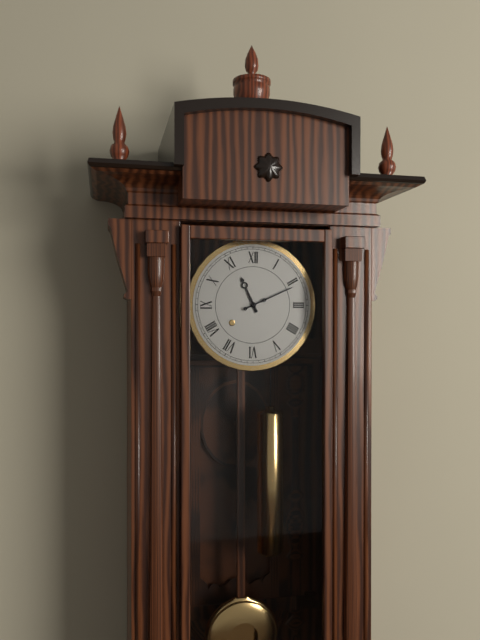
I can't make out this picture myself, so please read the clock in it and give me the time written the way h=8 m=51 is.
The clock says h=11 m=11
